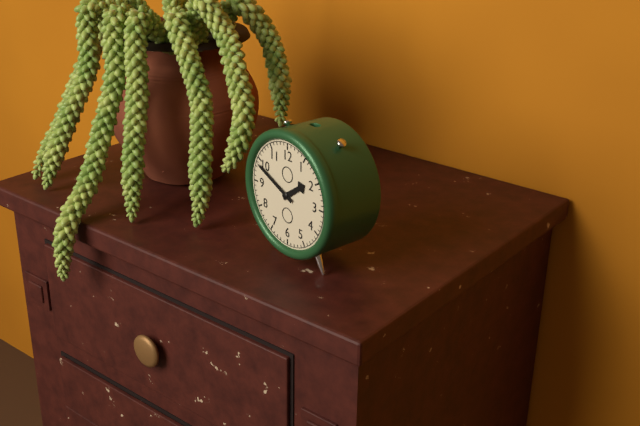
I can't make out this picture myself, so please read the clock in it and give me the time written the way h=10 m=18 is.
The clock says h=1 m=49
